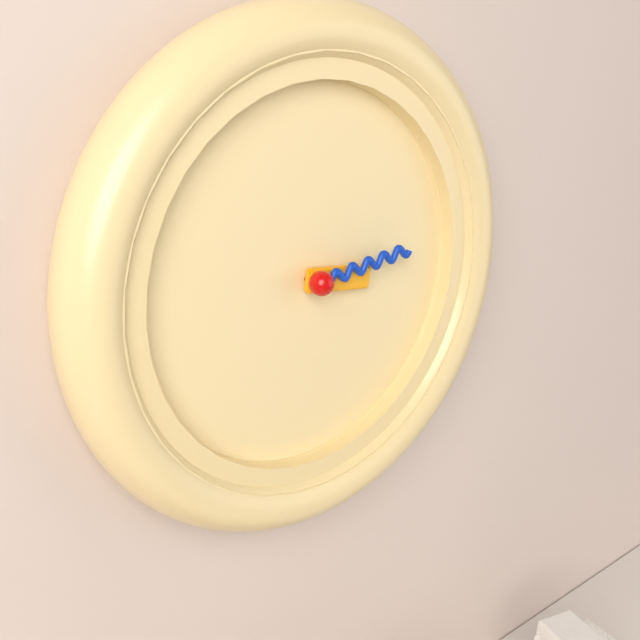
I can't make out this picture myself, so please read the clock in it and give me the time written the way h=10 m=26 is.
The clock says h=3 m=14
